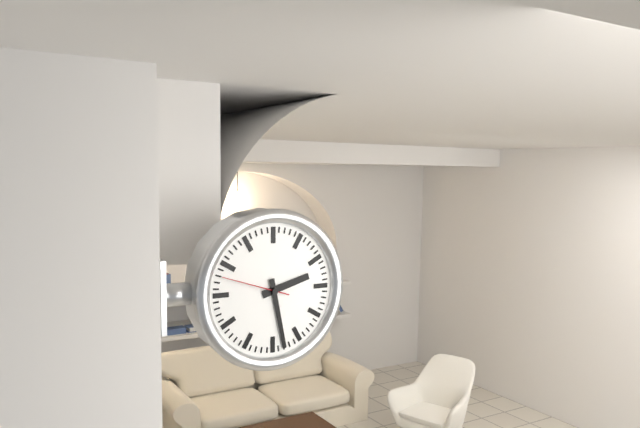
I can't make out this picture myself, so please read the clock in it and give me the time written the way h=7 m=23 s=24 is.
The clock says h=2 m=28 s=48
